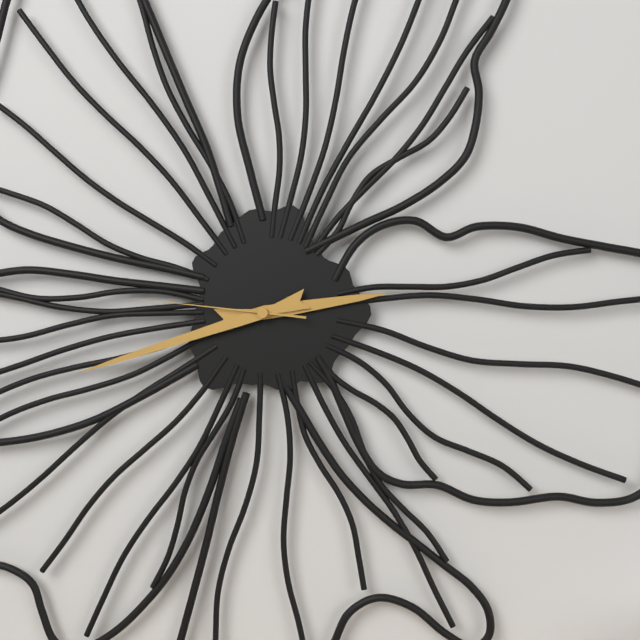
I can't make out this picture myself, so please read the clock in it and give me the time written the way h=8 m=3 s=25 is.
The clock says h=2 m=42 s=46
